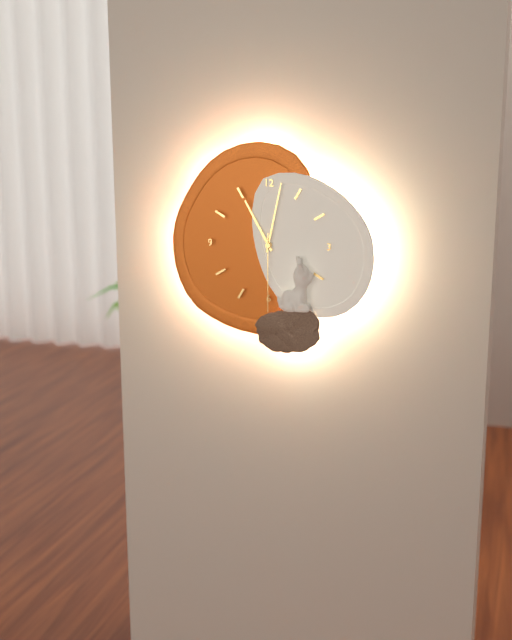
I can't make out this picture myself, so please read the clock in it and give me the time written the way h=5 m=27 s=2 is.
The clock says h=11 m=2 s=30
